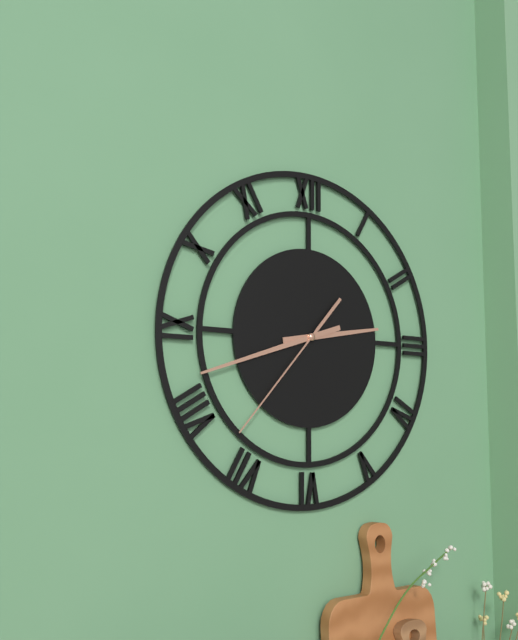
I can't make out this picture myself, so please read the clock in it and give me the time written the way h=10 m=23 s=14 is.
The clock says h=2 m=42 s=37
